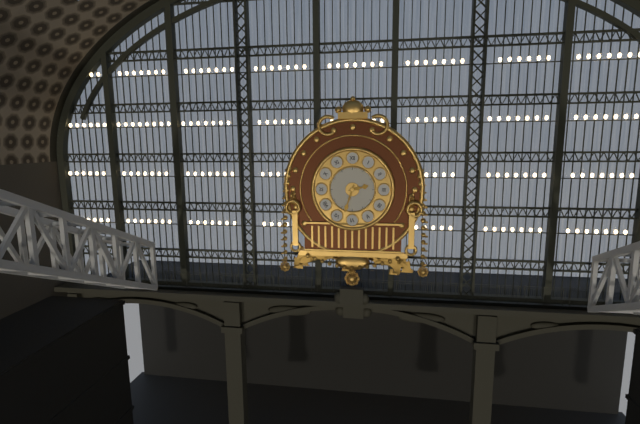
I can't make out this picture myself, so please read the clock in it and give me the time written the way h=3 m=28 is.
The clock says h=2 m=33
